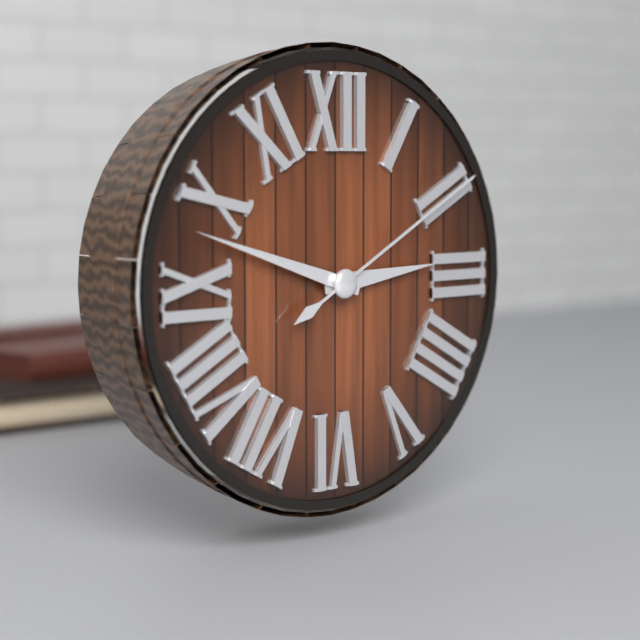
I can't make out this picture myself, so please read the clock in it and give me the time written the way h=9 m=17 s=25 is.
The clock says h=2 m=48 s=10
